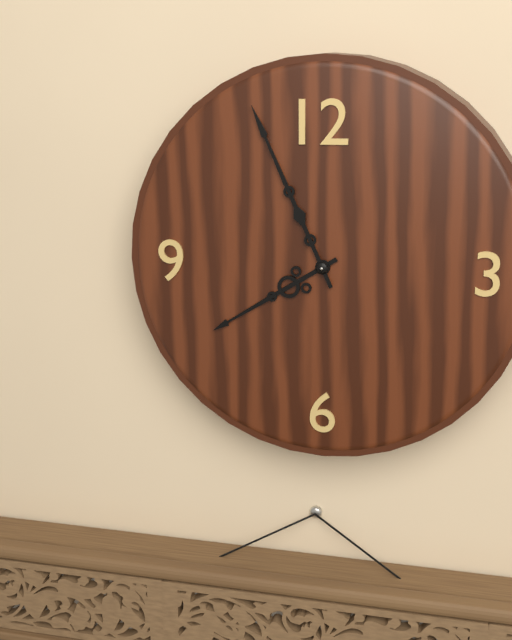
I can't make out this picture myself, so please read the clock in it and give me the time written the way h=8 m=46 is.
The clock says h=7 m=56
